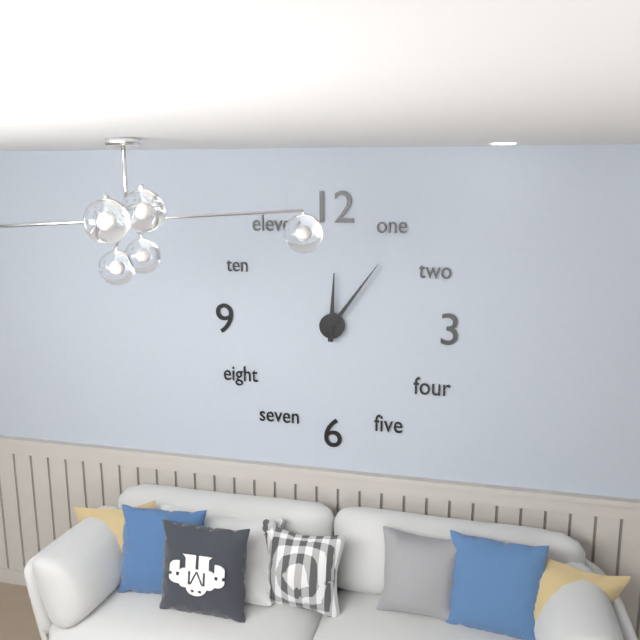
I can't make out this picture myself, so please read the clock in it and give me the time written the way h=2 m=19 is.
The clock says h=12 m=6
